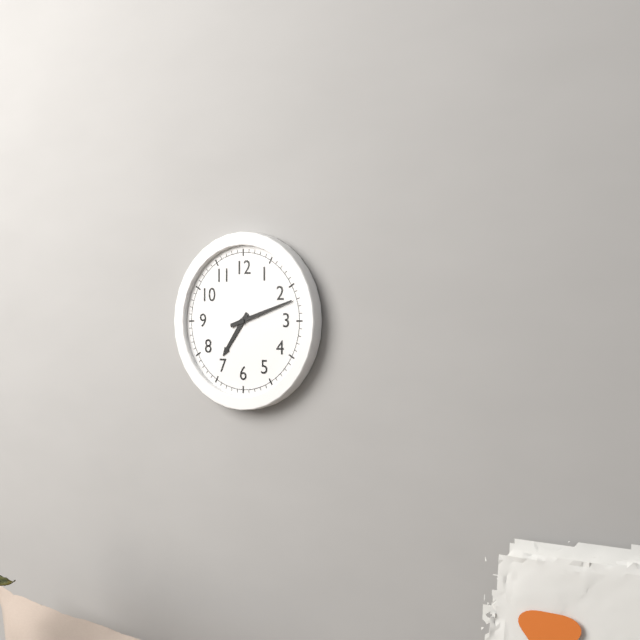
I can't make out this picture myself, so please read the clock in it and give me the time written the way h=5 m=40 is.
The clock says h=7 m=12
